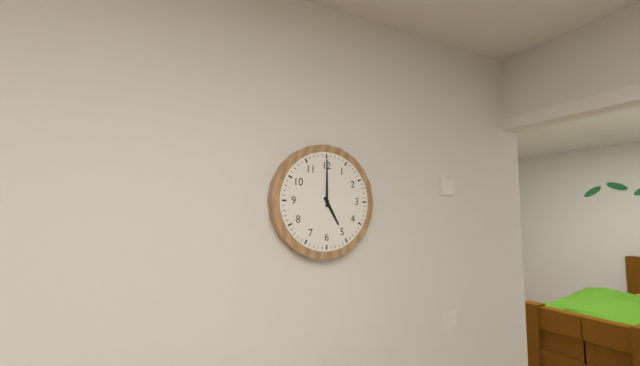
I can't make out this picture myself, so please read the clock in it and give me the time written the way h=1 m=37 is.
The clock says h=5 m=0
